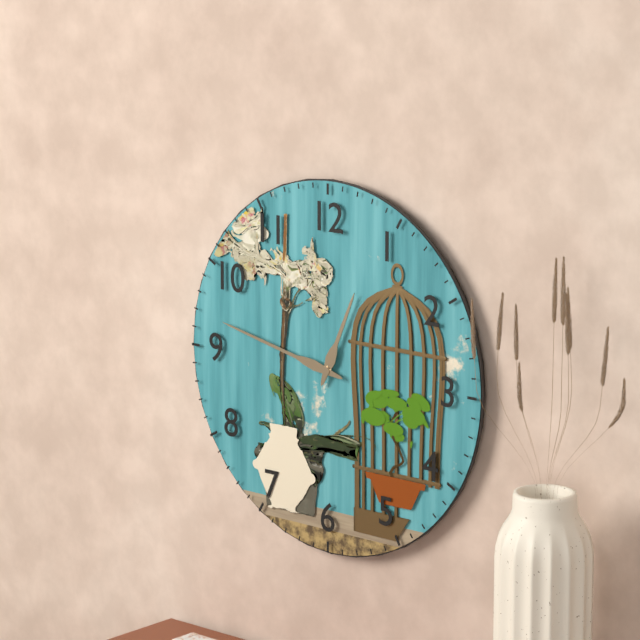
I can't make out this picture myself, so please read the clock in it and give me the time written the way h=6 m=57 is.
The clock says h=12 m=47
